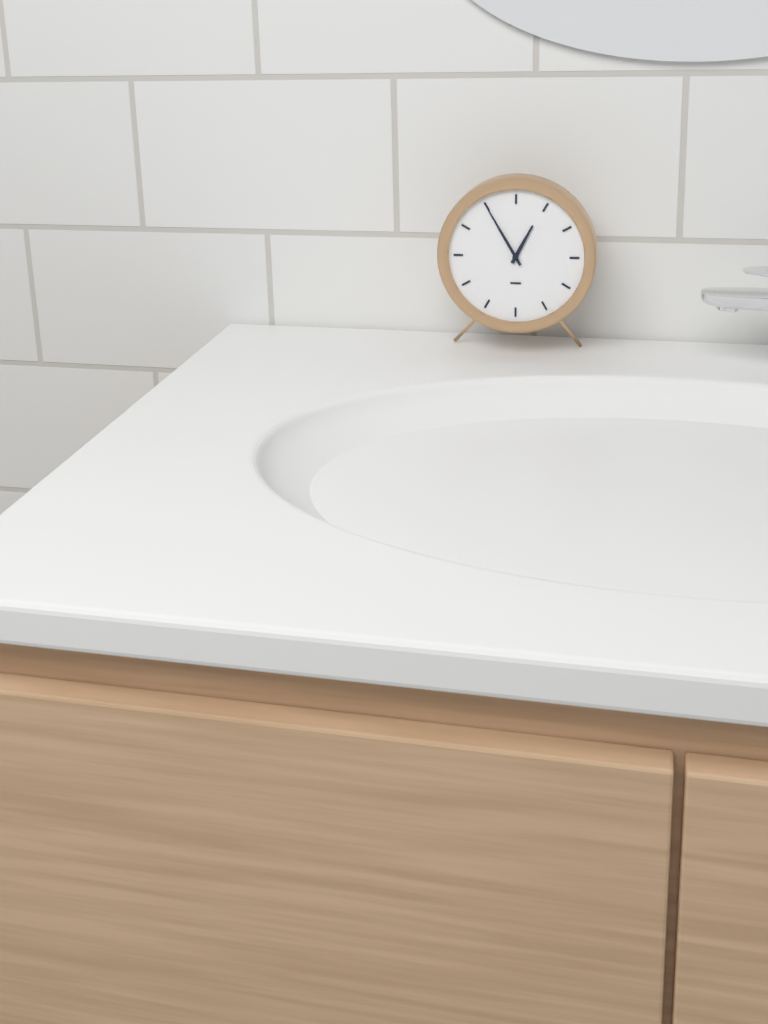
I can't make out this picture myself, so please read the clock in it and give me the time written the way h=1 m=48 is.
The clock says h=12 m=55
